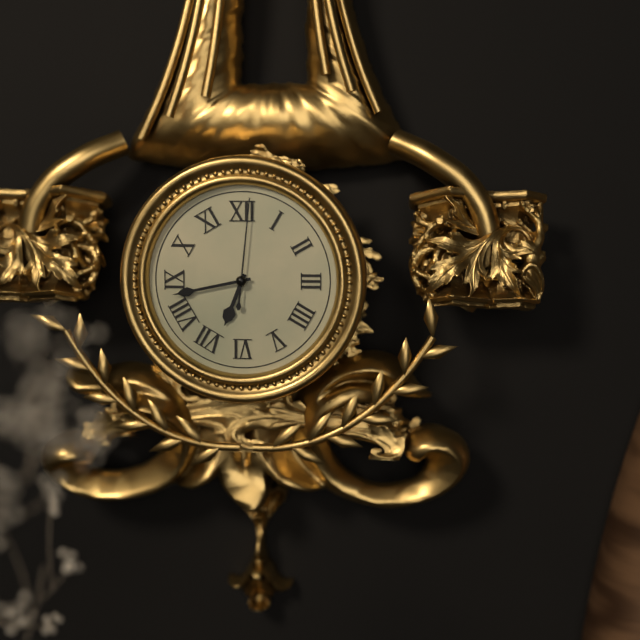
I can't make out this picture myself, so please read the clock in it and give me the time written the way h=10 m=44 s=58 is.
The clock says h=6 m=43 s=1
